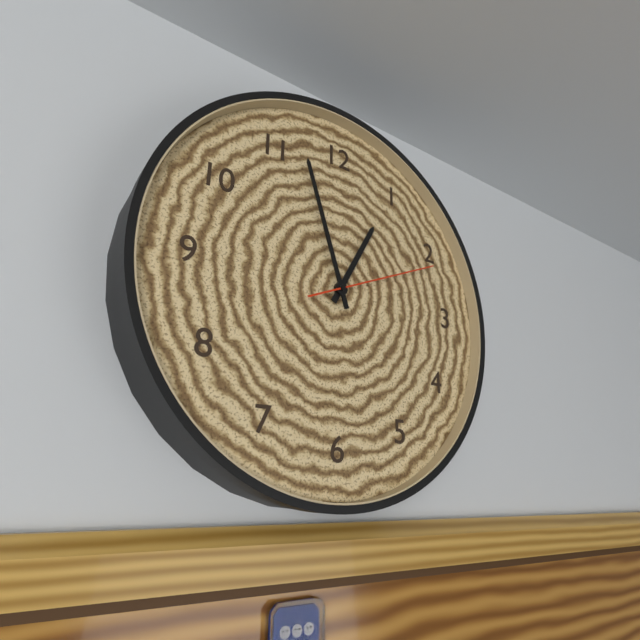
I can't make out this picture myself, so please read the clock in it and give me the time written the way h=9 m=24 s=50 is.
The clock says h=12 m=57 s=11
